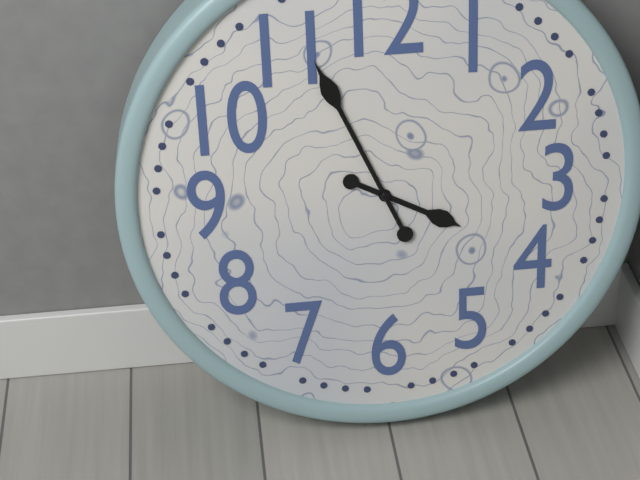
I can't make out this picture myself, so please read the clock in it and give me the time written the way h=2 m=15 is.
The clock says h=3 m=56
